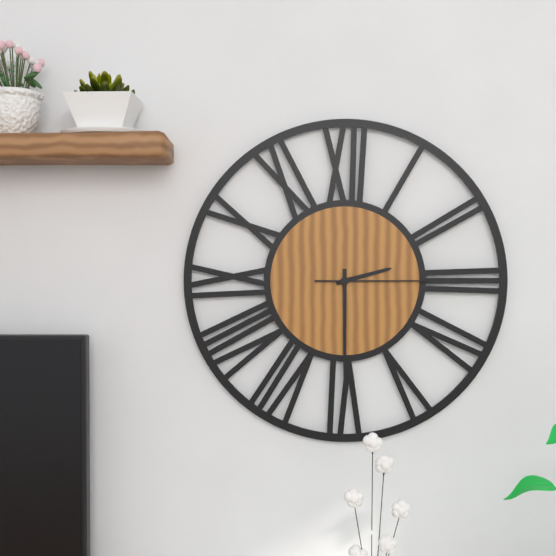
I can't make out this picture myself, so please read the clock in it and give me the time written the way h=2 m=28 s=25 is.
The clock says h=2 m=30 s=15
